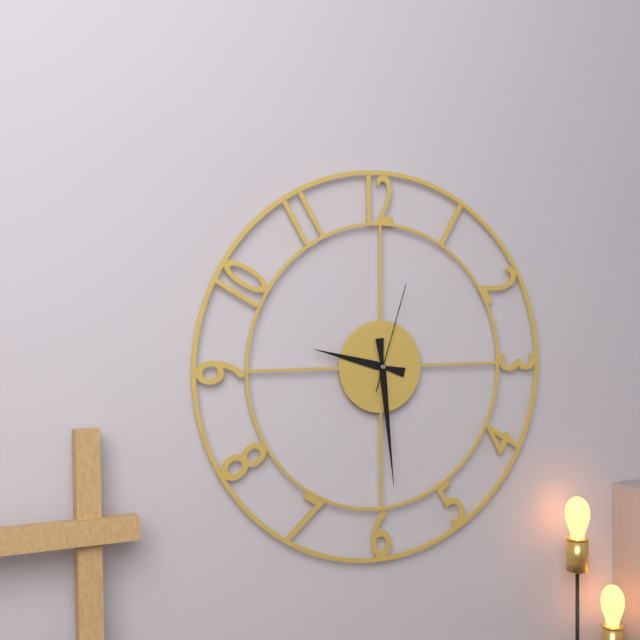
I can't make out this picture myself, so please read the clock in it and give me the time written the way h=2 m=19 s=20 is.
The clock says h=9 m=29 s=3
